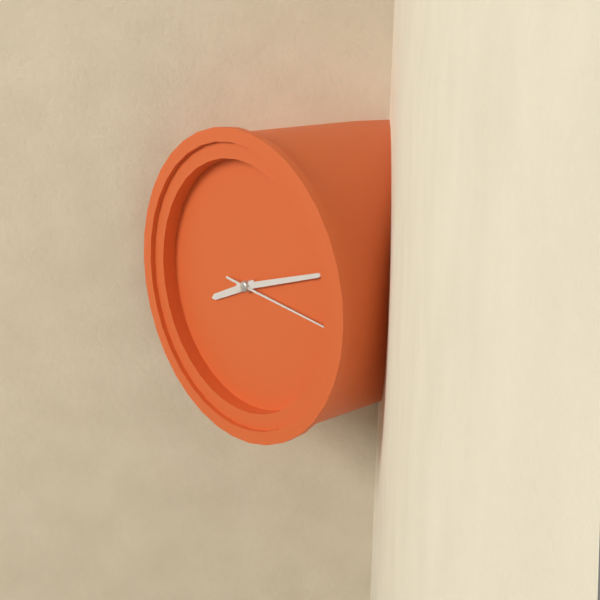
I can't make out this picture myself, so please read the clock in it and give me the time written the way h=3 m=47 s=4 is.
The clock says h=8 m=12 s=16
